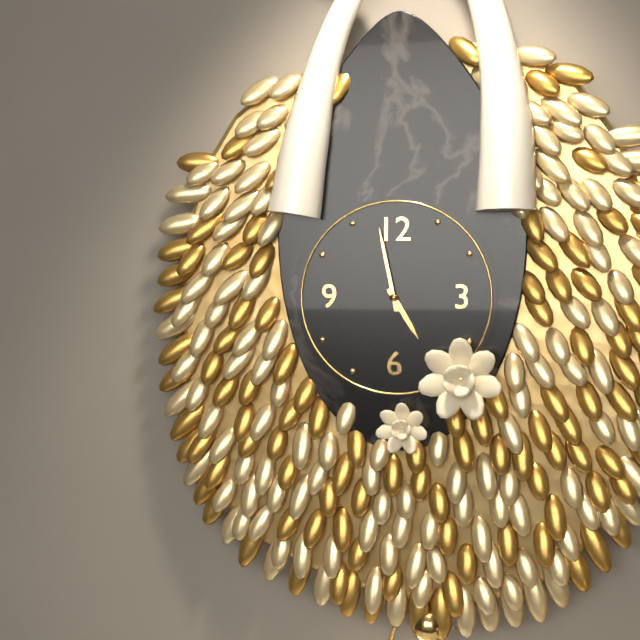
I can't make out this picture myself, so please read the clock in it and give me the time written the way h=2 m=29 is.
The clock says h=4 m=58
